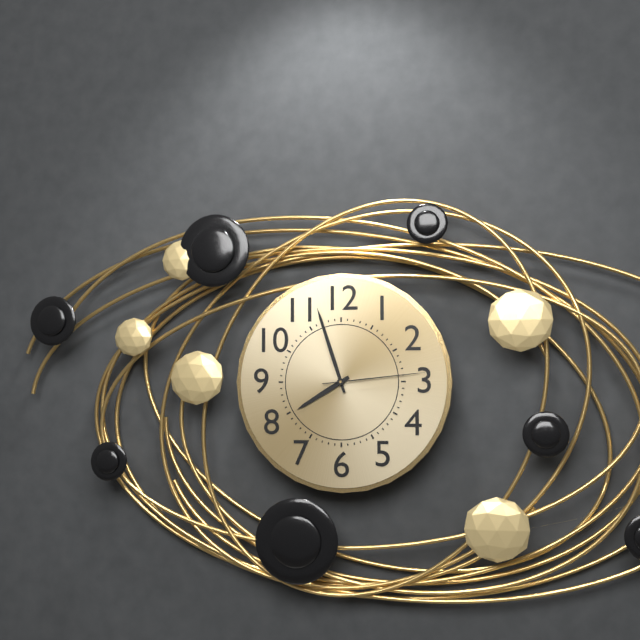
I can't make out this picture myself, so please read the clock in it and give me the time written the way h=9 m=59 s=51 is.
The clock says h=7 m=57 s=14
